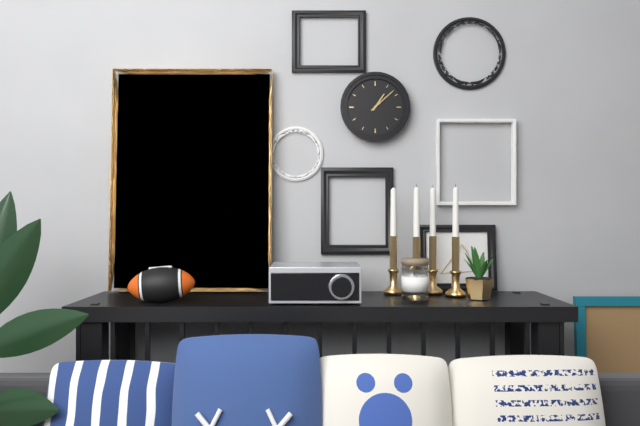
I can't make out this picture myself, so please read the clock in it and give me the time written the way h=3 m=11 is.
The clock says h=1 m=8
